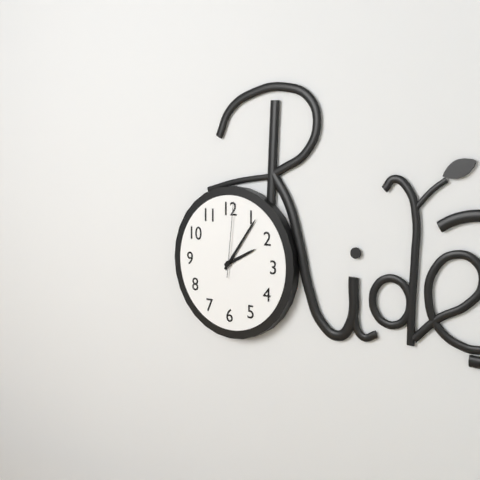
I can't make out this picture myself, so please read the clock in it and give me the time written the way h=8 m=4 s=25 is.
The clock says h=2 m=6 s=1
